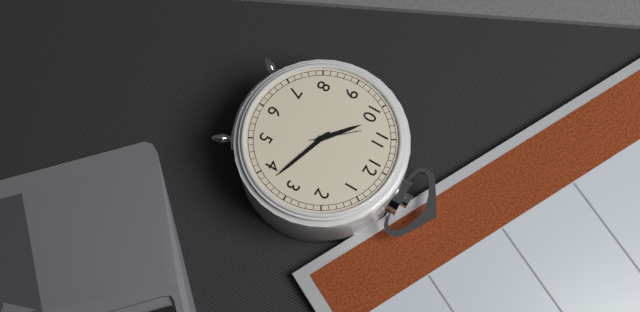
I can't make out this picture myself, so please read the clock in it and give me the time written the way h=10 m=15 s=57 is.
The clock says h=10 m=18 s=53
